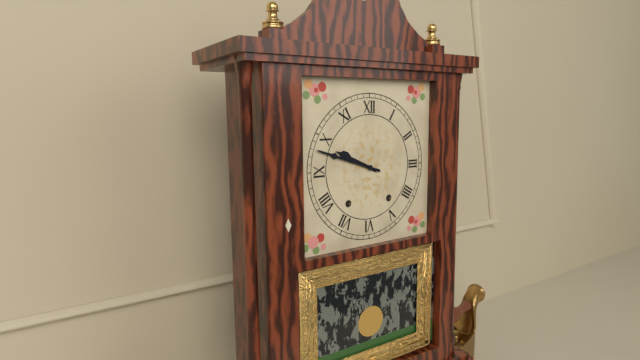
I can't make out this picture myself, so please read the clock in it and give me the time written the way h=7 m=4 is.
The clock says h=9 m=48
